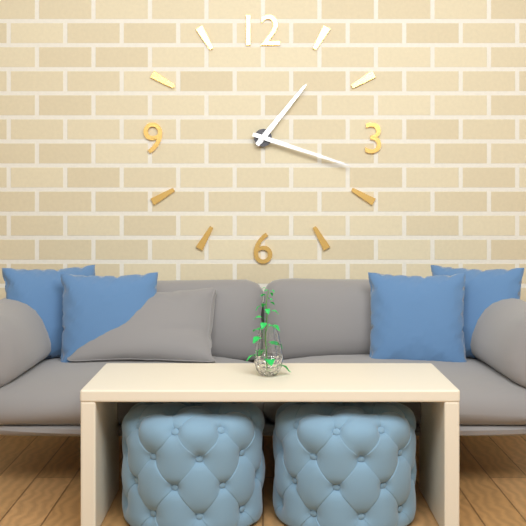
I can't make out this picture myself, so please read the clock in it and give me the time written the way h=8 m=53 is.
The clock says h=1 m=18
